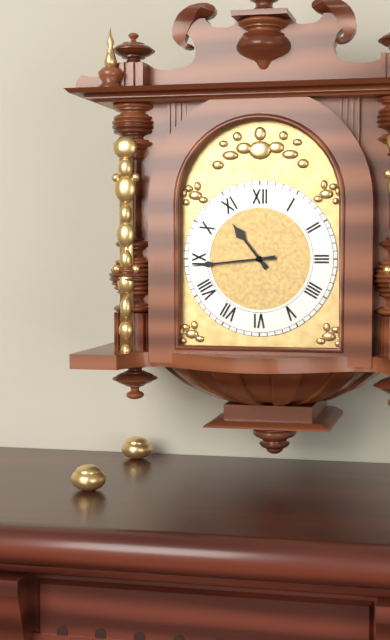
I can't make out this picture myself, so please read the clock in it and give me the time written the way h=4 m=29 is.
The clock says h=10 m=44
